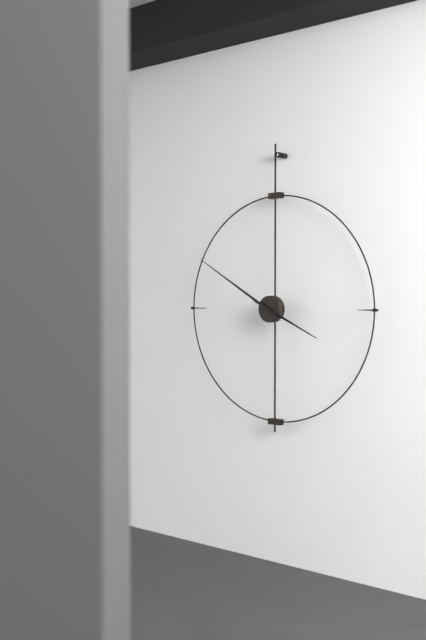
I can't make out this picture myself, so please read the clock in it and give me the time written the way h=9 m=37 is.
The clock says h=3 m=50
